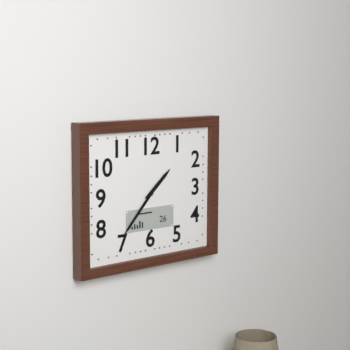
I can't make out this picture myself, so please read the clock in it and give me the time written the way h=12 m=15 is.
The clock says h=1 m=37
